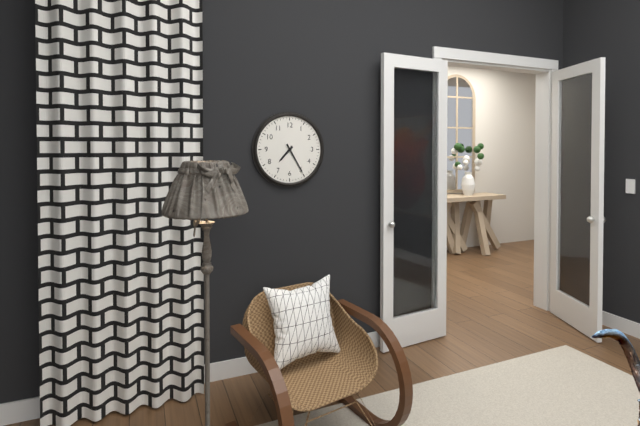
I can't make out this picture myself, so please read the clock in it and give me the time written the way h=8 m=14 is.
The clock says h=7 m=25
